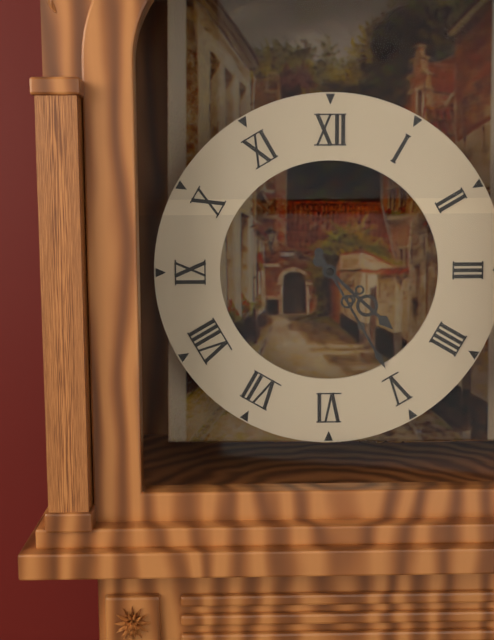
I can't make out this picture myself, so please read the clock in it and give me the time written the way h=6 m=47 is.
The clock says h=4 m=25
